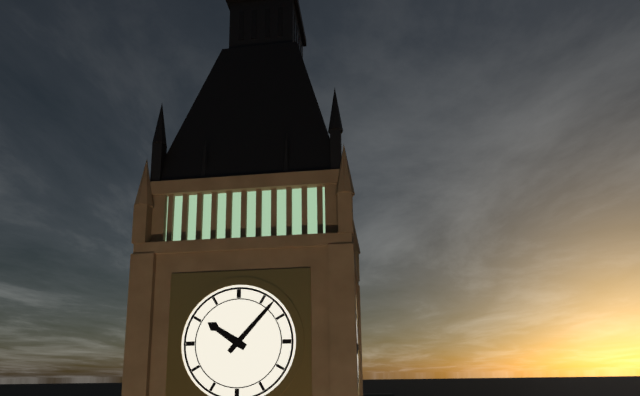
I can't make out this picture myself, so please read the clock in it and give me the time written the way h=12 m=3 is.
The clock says h=10 m=7
